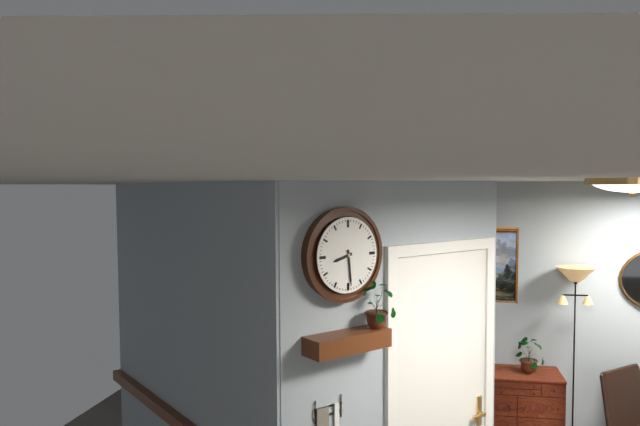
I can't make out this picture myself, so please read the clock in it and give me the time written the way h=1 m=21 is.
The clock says h=8 m=29
